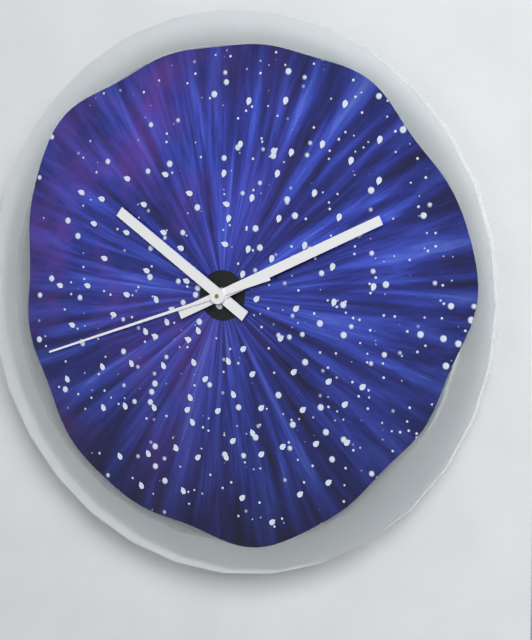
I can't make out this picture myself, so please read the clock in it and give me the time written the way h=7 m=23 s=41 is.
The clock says h=10 m=11 s=42
